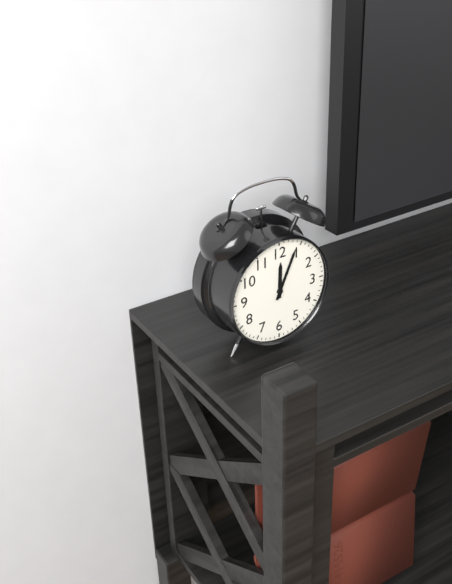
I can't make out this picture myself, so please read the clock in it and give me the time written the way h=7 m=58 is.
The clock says h=12 m=4
